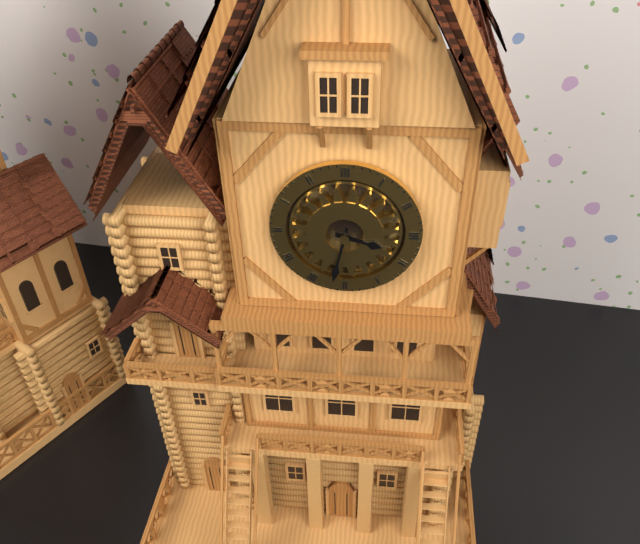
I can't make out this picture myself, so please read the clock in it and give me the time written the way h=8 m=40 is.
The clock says h=3 m=32
